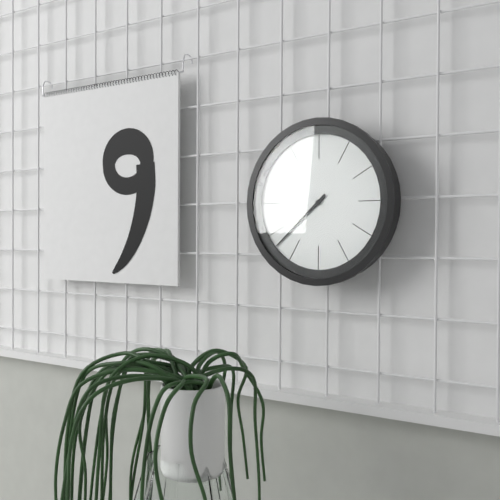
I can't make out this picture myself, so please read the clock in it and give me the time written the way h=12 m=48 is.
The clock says h=7 m=38
